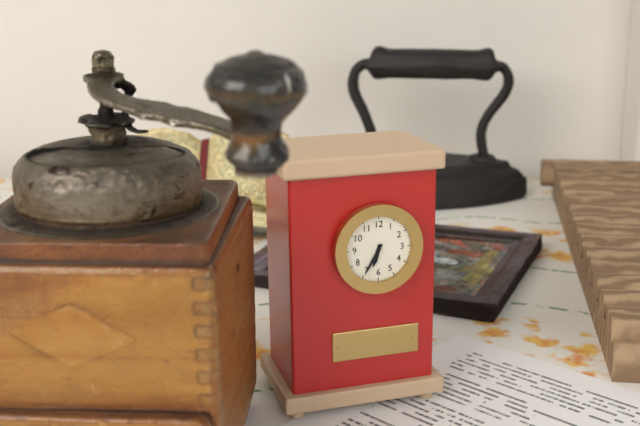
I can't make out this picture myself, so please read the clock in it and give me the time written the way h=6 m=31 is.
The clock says h=6 m=35
